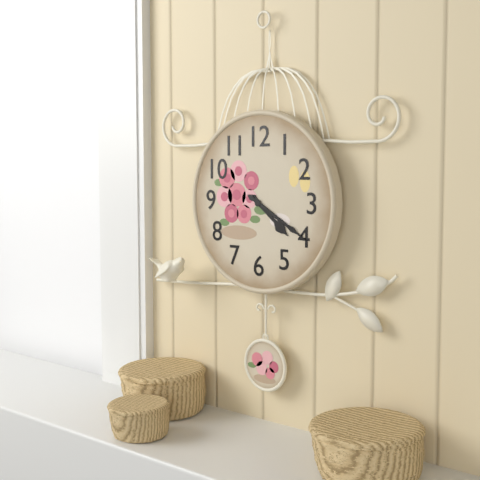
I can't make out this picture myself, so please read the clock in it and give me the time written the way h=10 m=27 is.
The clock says h=4 m=20
